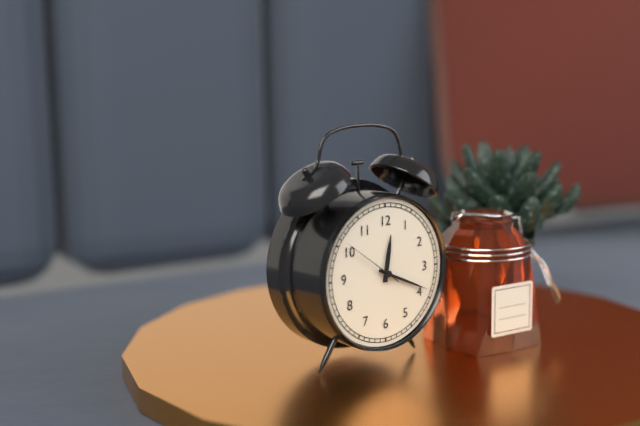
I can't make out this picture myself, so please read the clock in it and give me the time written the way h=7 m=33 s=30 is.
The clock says h=12 m=19 s=51
